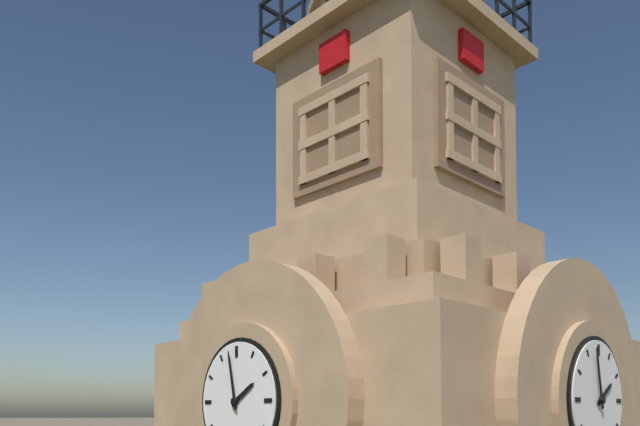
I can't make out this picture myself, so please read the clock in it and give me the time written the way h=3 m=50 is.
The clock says h=1 m=58
